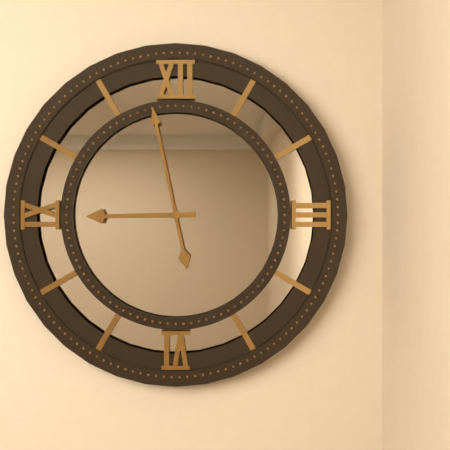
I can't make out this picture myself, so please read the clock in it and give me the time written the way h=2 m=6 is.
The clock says h=8 m=58
